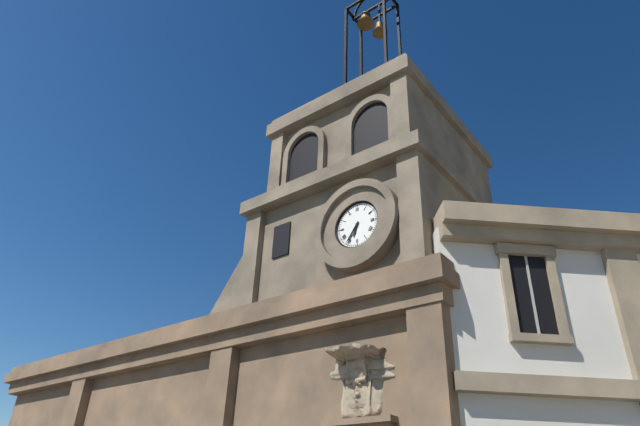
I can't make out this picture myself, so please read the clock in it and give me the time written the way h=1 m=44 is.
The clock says h=6 m=36
